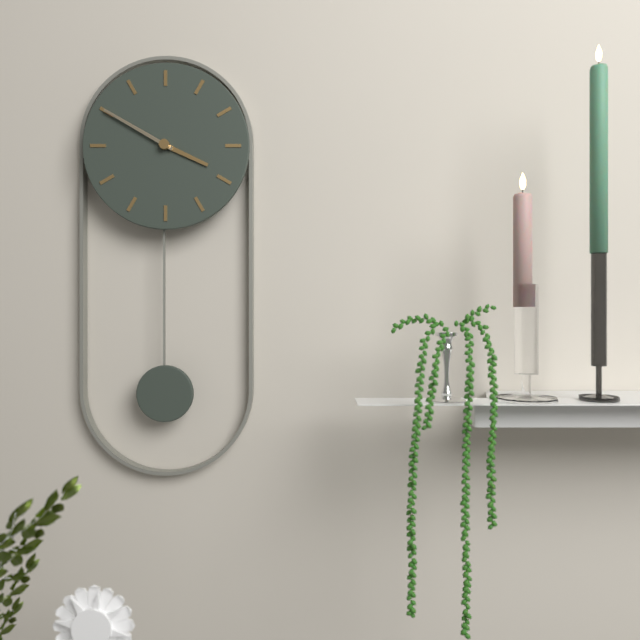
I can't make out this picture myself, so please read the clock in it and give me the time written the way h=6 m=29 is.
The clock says h=3 m=50
